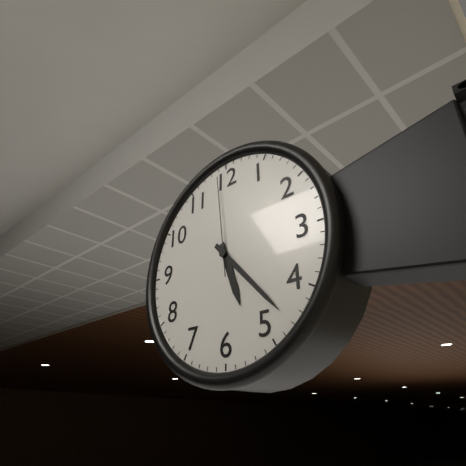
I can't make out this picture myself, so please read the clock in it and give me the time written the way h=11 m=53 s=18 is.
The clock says h=5 m=23 s=59
